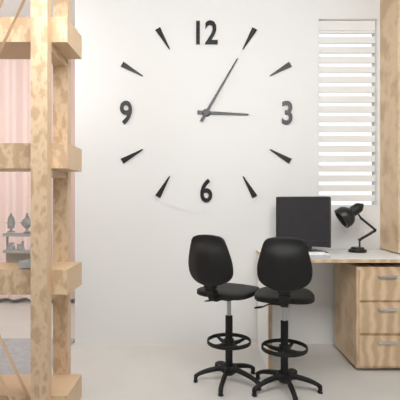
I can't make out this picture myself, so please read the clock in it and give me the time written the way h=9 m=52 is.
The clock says h=3 m=5
